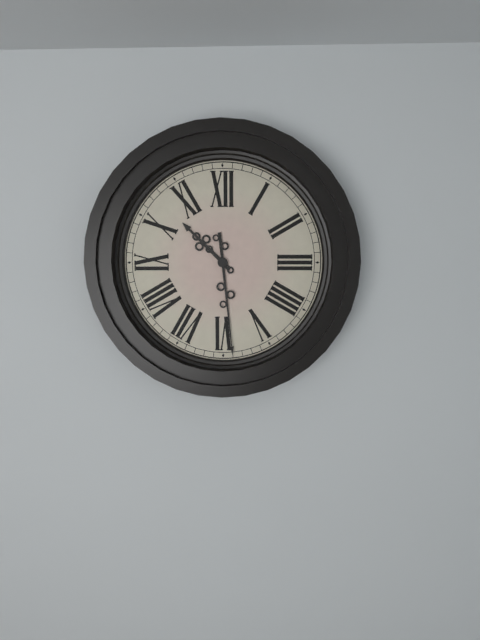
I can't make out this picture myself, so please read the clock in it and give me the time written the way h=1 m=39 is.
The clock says h=10 m=29
